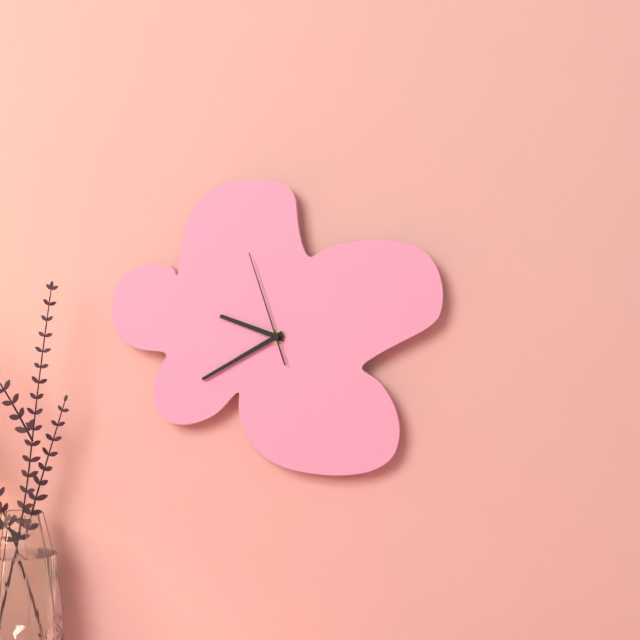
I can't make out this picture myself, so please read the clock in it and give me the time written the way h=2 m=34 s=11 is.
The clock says h=9 m=40 s=57
